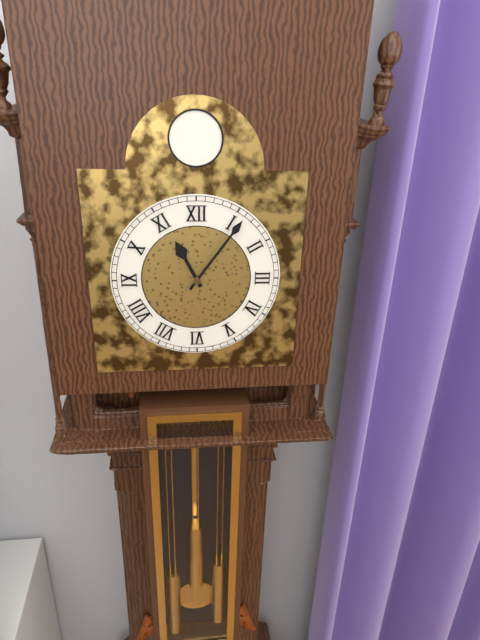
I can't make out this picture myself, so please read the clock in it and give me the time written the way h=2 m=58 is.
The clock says h=11 m=6
